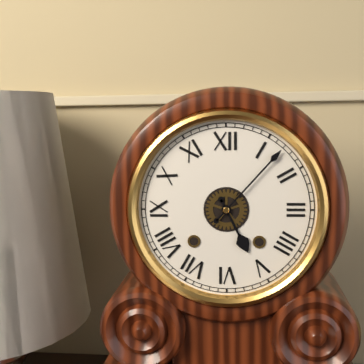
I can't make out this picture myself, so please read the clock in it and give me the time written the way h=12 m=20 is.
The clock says h=5 m=7
